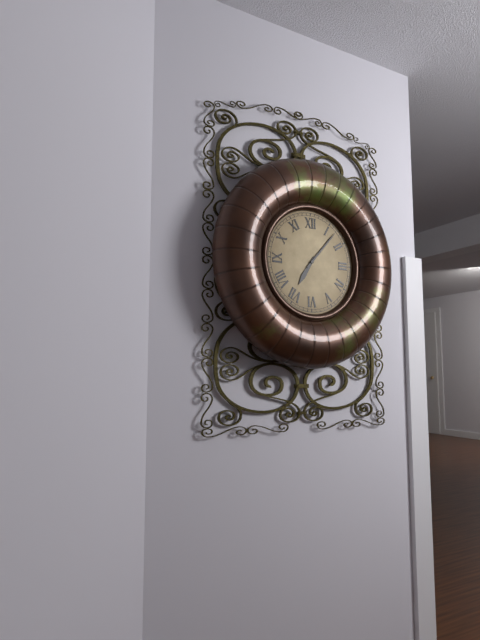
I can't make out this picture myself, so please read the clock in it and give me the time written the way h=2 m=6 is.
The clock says h=7 m=7
